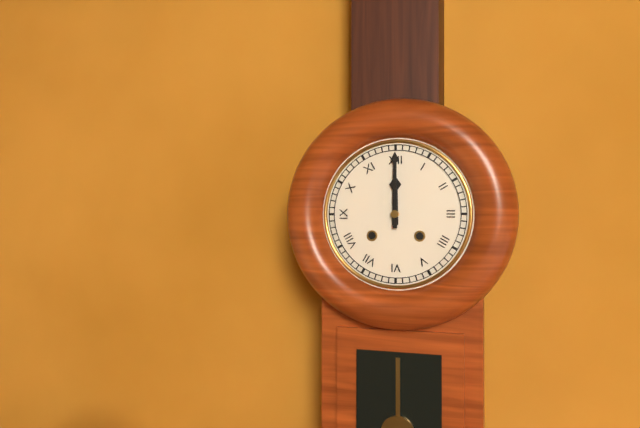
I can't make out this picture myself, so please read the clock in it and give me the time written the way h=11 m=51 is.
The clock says h=12 m=0
